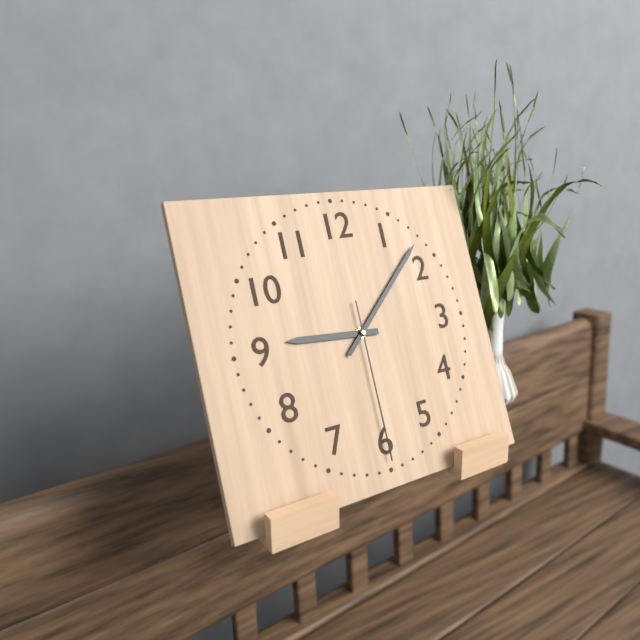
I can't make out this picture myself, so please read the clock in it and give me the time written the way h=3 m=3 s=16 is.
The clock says h=9 m=8 s=30
